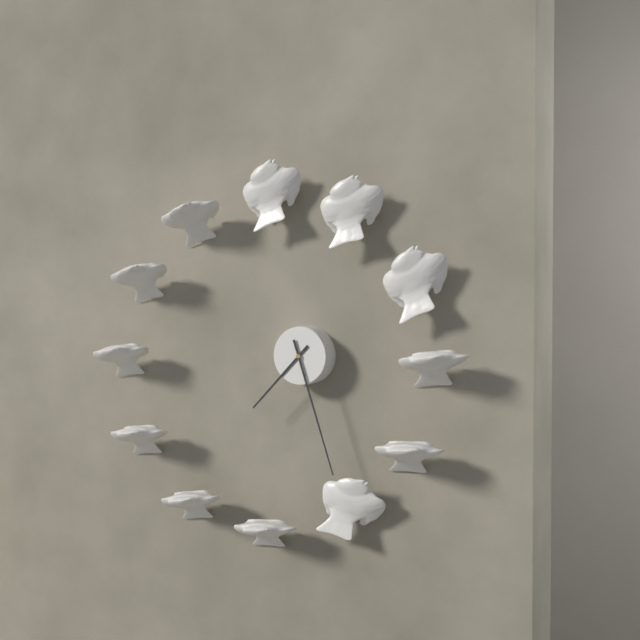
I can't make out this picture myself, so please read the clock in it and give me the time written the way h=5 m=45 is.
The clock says h=7 m=27
